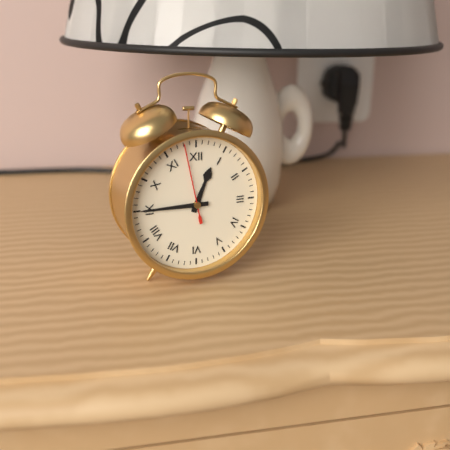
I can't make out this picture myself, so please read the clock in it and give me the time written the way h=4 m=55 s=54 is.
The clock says h=12 m=45 s=58
